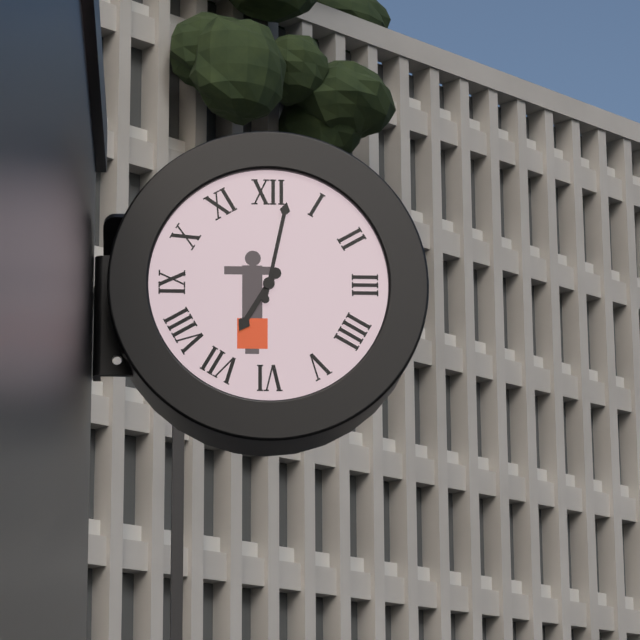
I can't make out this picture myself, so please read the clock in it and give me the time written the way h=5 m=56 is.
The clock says h=7 m=2
